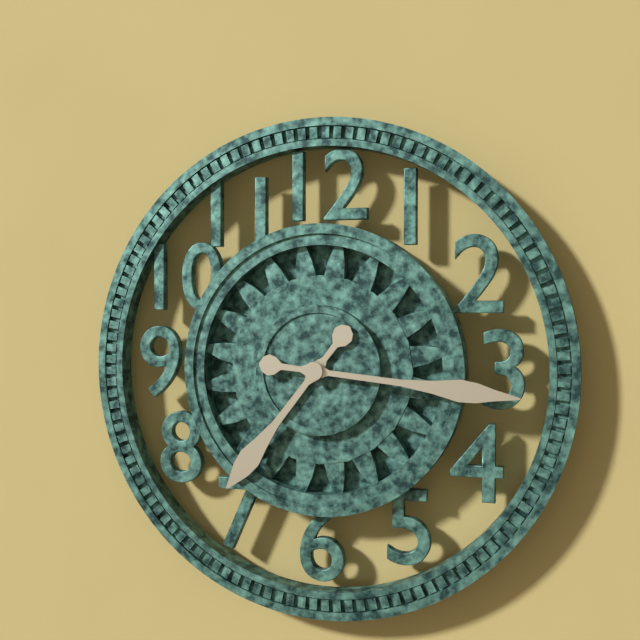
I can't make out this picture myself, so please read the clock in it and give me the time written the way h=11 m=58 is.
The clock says h=7 m=16
